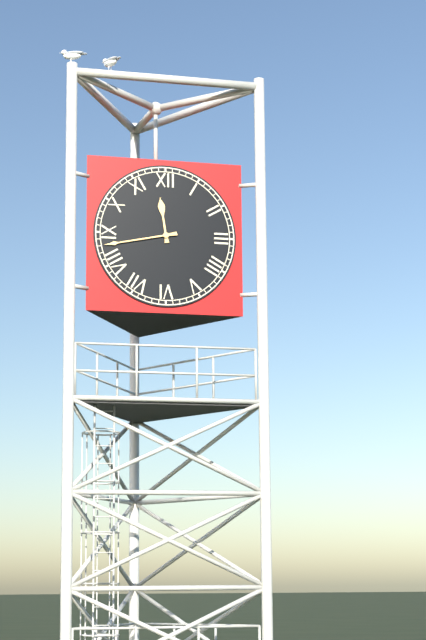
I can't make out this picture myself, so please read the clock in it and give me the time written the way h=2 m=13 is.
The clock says h=11 m=43
